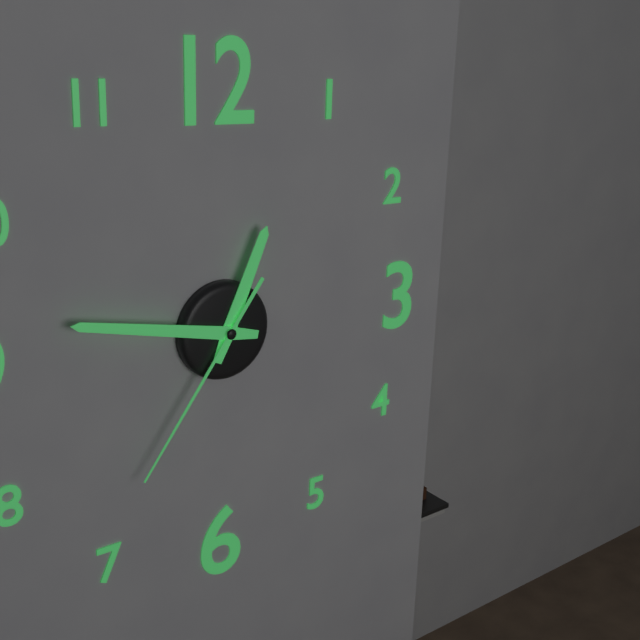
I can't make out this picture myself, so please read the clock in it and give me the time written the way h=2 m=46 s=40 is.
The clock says h=12 m=47 s=36
